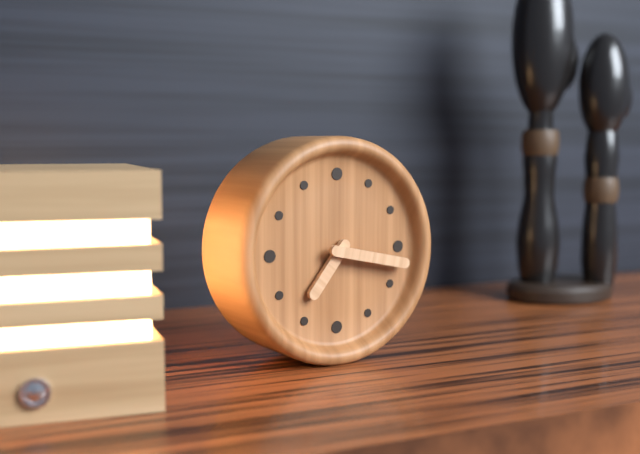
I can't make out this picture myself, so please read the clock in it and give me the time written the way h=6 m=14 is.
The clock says h=7 m=17
